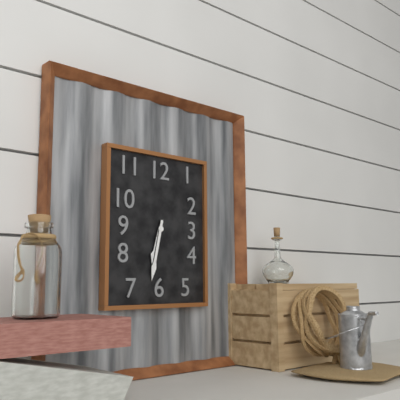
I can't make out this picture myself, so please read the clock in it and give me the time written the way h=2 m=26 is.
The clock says h=6 m=32
